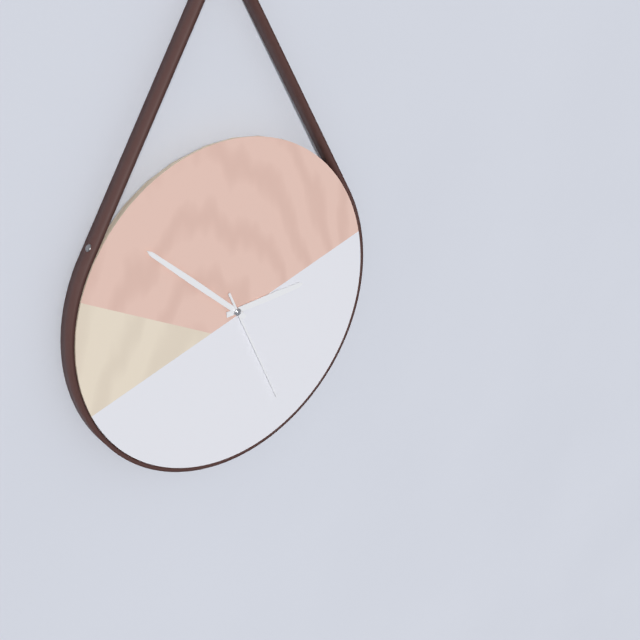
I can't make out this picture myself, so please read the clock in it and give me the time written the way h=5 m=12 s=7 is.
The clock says h=2 m=52 s=26
